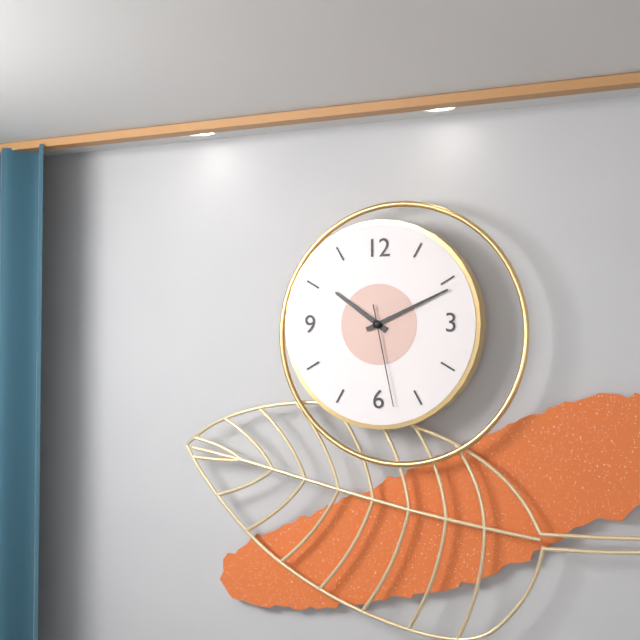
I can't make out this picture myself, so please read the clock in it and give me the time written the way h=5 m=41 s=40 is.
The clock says h=10 m=11 s=28
